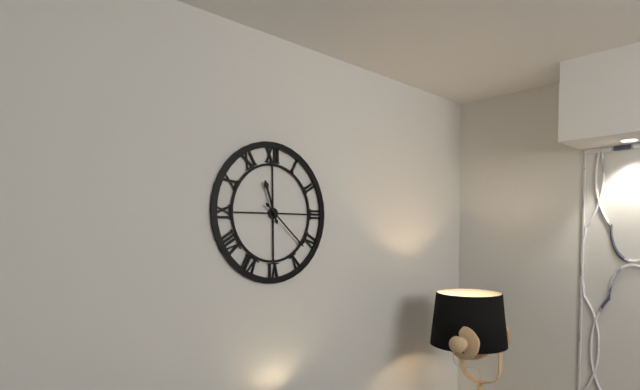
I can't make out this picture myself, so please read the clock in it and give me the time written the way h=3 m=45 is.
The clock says h=11 m=22
